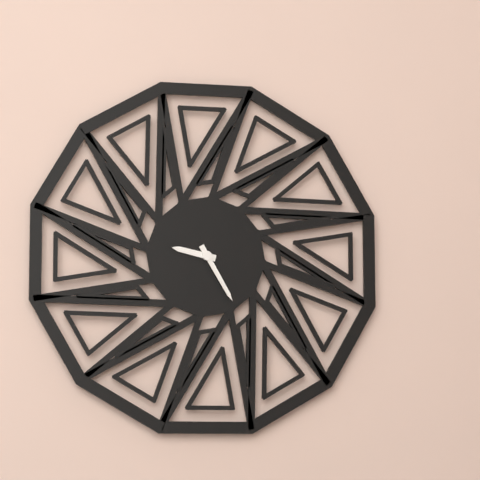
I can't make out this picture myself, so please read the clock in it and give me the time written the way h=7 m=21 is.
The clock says h=9 m=25
